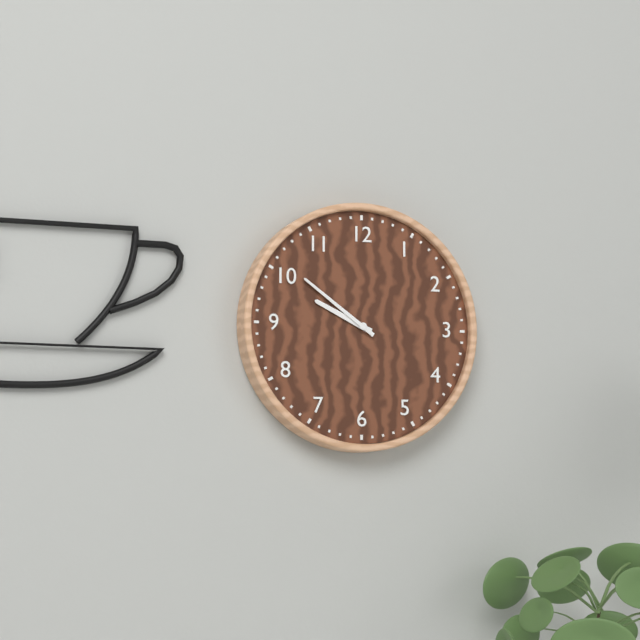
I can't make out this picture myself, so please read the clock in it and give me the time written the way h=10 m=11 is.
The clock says h=9 m=51
